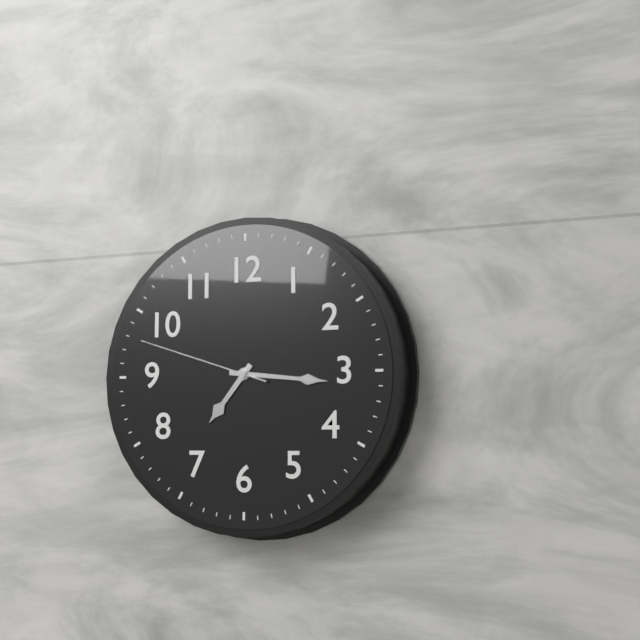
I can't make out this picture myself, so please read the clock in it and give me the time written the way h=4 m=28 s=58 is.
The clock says h=7 m=16 s=48
